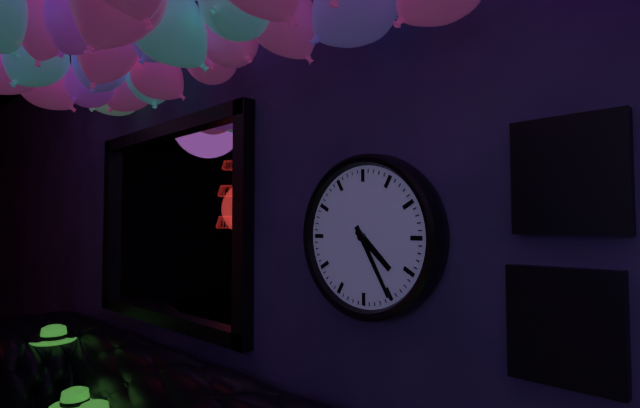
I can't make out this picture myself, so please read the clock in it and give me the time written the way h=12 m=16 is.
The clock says h=4 m=25
